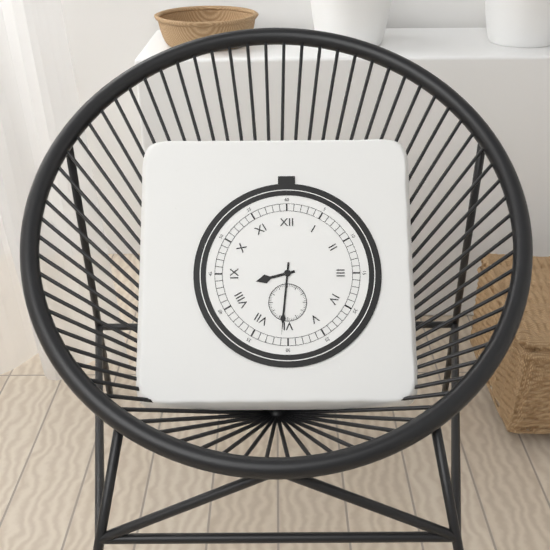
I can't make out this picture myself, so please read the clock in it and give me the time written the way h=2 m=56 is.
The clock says h=8 m=31
